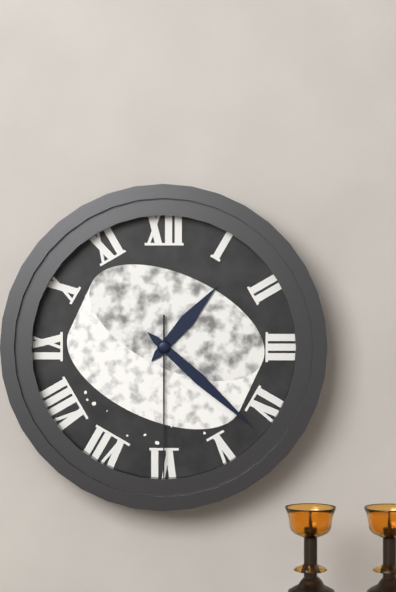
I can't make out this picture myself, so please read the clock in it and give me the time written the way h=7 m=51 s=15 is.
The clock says h=1 m=22 s=30
